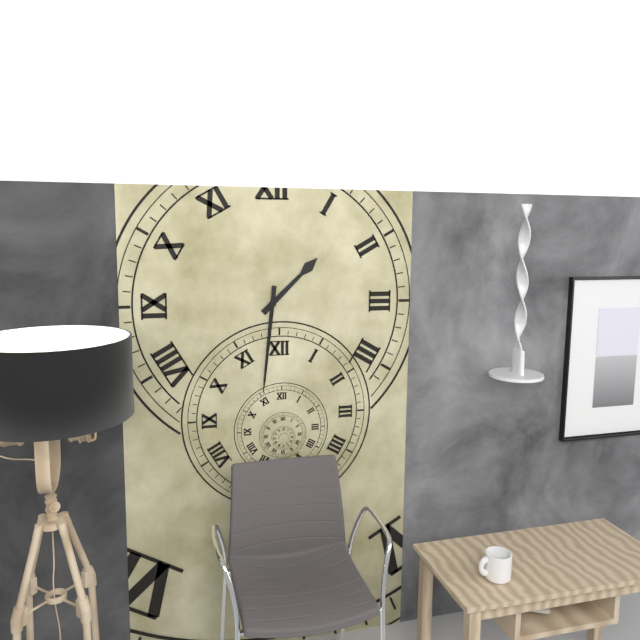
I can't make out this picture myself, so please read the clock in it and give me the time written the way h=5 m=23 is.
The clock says h=1 m=31
